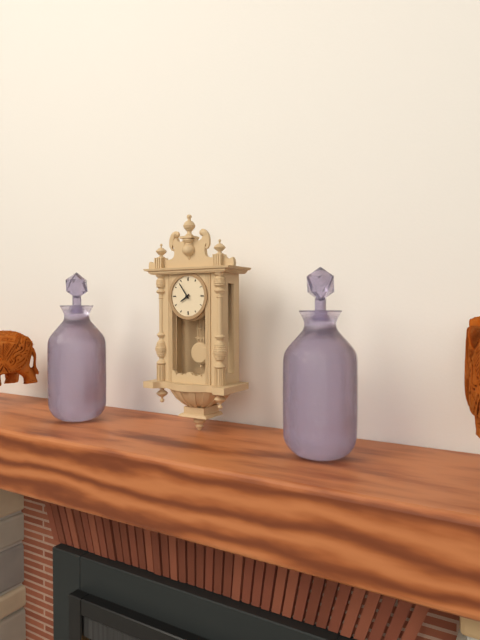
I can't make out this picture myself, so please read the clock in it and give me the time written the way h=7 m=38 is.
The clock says h=7 m=54
